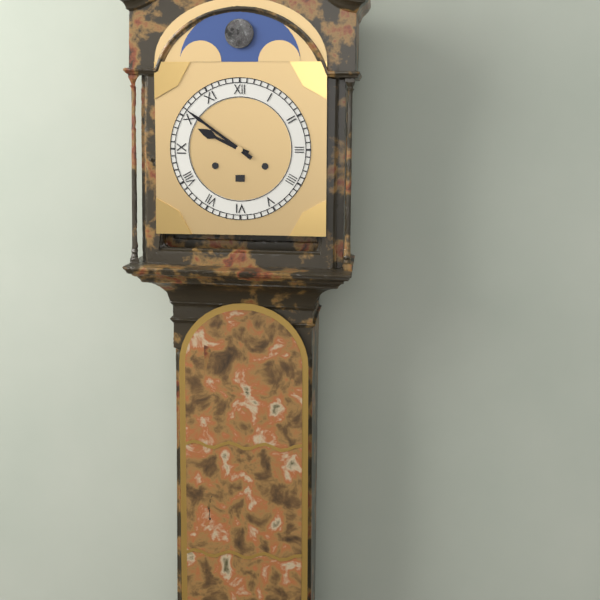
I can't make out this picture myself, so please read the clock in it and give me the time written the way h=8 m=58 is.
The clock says h=9 m=51
